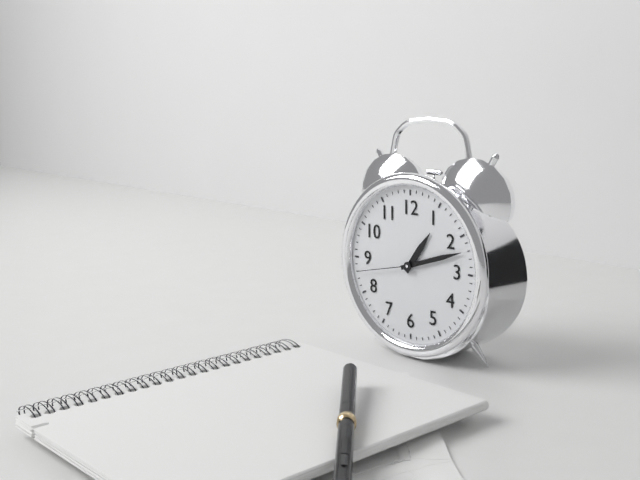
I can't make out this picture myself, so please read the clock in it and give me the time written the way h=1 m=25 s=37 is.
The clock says h=1 m=12 s=43
